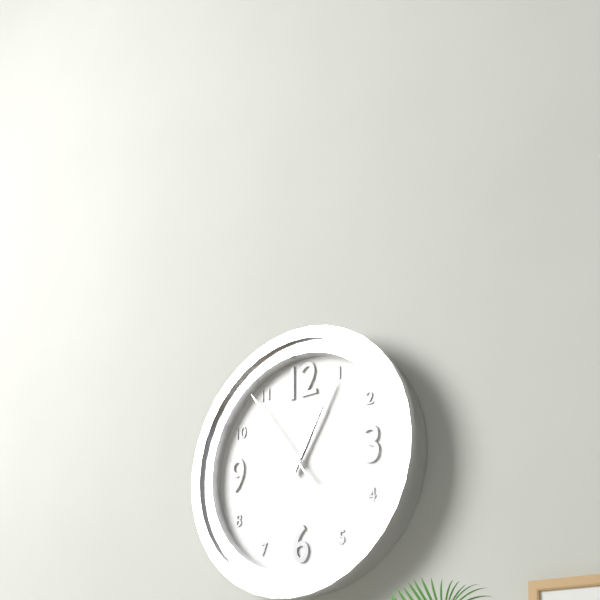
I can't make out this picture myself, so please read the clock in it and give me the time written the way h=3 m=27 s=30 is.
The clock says h=1 m=5 s=54
